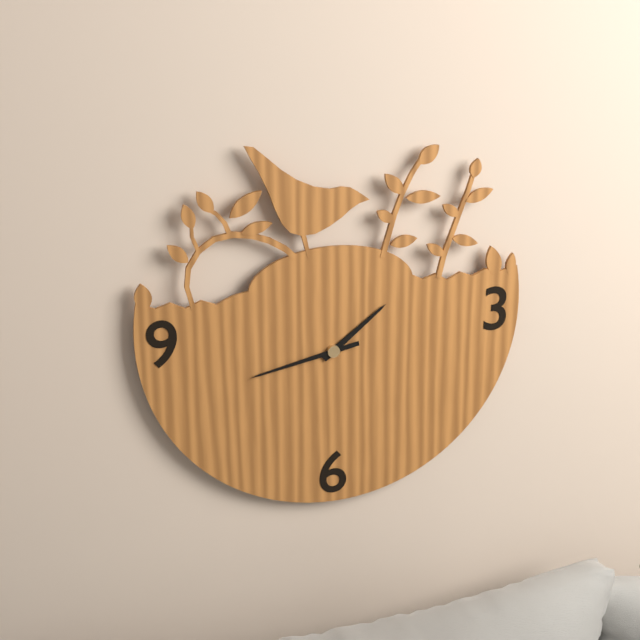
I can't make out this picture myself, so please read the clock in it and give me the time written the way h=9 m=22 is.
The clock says h=1 m=43
